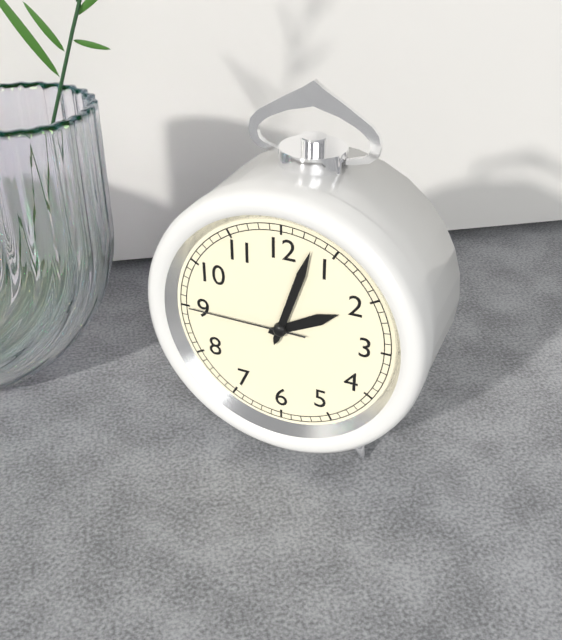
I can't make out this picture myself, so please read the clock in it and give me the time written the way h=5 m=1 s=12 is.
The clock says h=2 m=3 s=45
